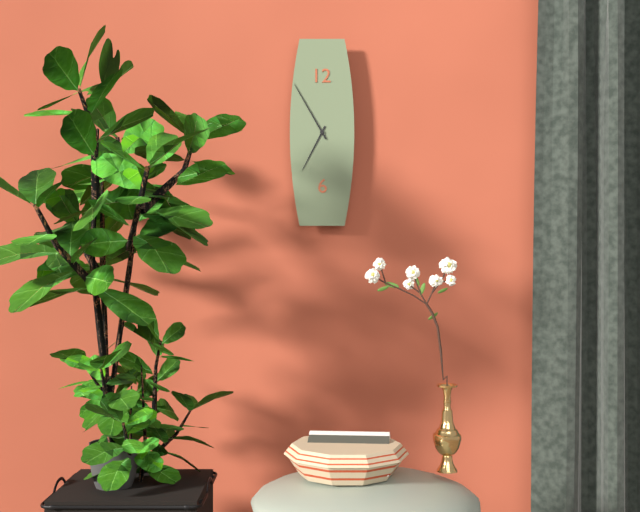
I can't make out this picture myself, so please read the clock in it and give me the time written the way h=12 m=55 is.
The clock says h=6 m=55
